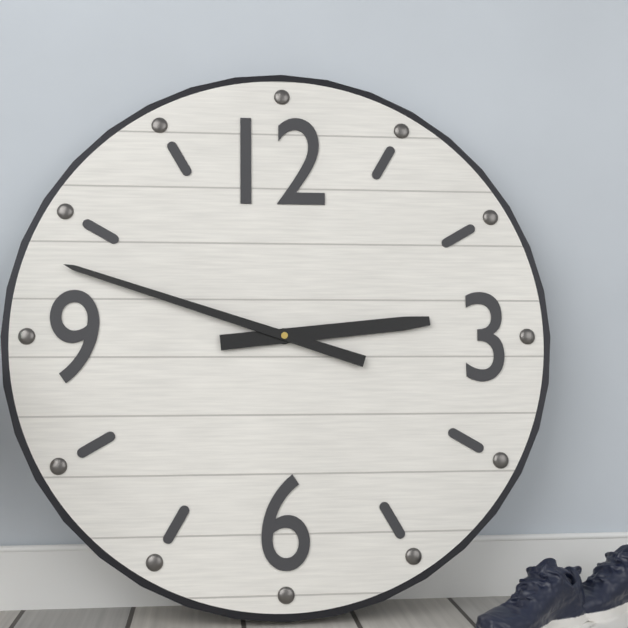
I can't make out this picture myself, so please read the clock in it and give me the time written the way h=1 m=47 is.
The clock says h=2 m=48
